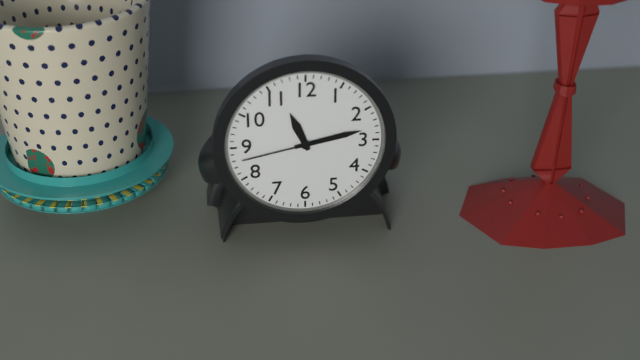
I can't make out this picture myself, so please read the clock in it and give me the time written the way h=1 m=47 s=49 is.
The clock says h=11 m=13 s=43
